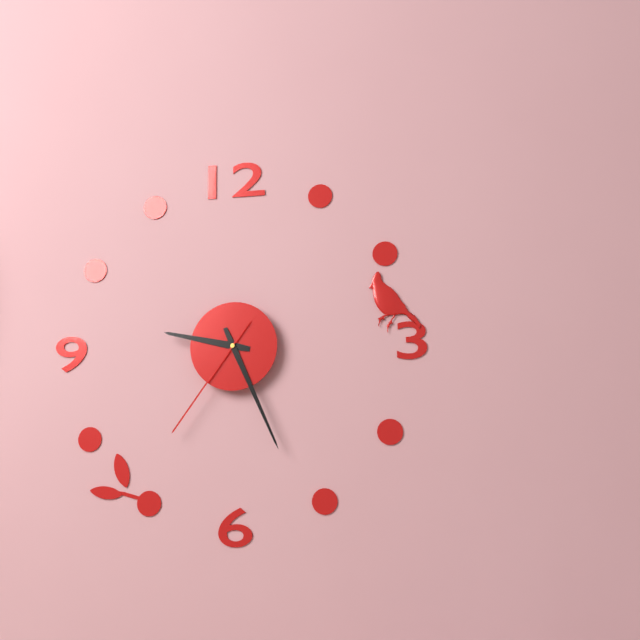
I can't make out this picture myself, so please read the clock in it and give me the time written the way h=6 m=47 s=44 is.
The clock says h=9 m=26 s=36
